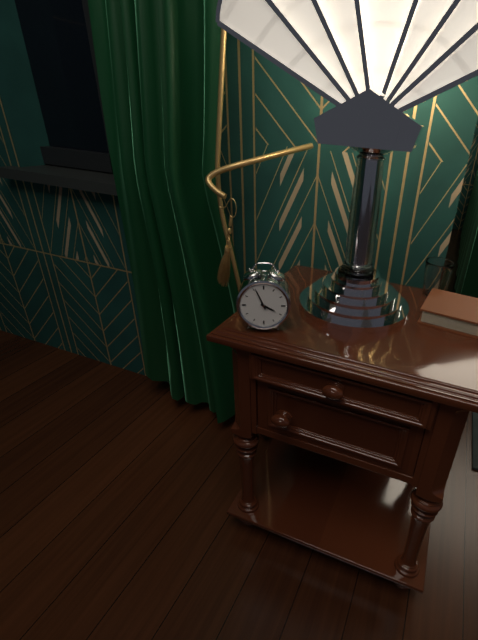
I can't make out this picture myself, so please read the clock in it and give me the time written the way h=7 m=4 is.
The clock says h=3 m=56
